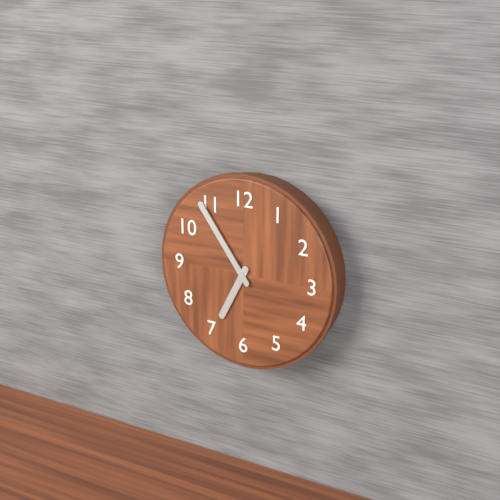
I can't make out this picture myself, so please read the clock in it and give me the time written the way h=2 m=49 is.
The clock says h=6 m=54
